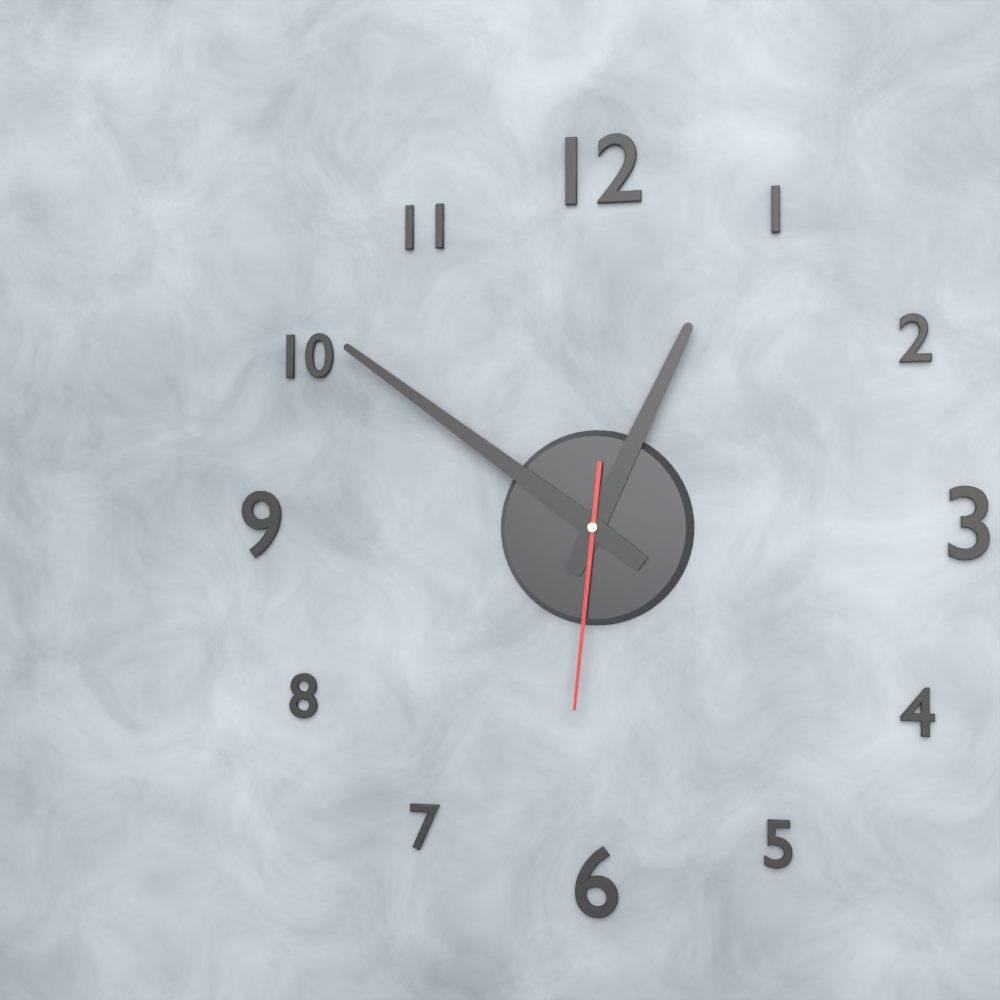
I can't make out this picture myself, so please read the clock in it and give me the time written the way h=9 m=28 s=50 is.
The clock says h=12 m=51 s=31
